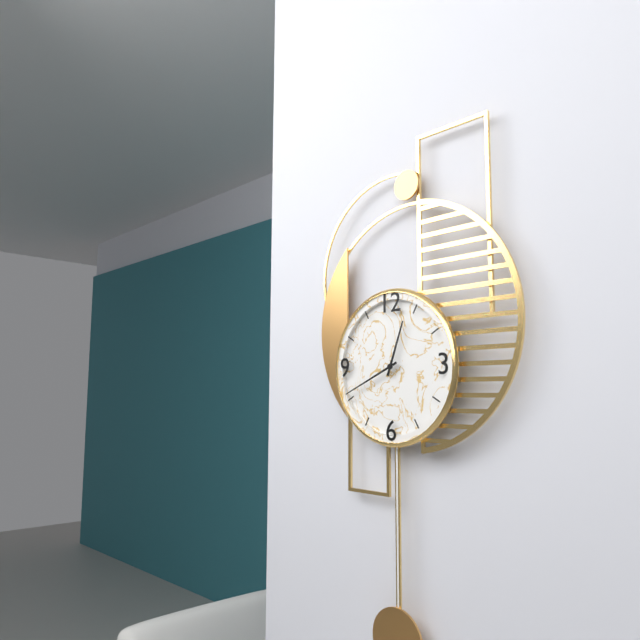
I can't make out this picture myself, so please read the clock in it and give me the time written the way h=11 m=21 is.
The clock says h=12 m=41
